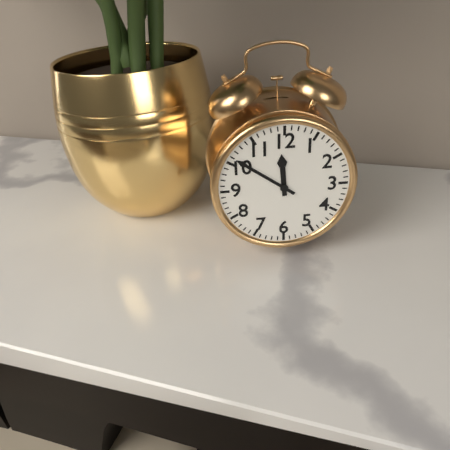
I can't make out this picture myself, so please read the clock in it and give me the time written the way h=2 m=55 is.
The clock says h=11 m=51
